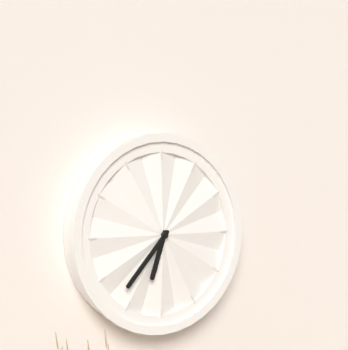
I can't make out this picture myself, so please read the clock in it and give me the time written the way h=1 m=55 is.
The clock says h=6 m=37
